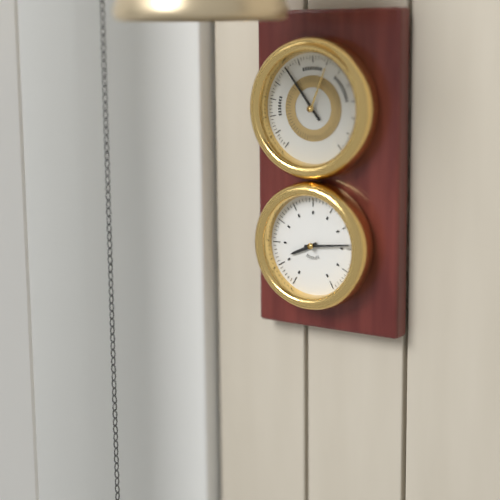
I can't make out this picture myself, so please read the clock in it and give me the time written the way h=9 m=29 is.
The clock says h=8 m=14
